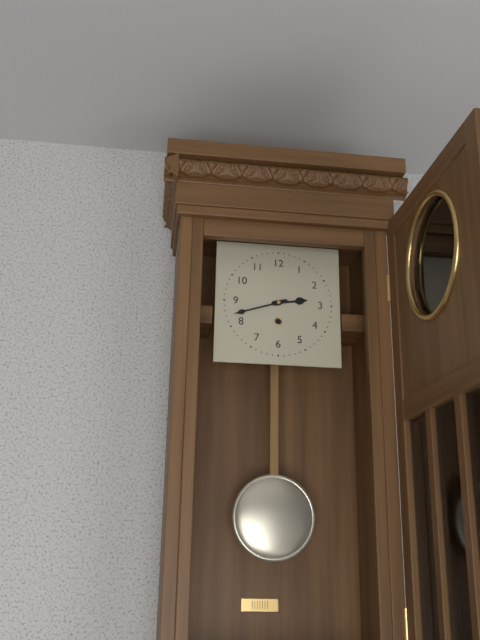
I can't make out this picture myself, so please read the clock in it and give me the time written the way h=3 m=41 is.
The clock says h=2 m=42
